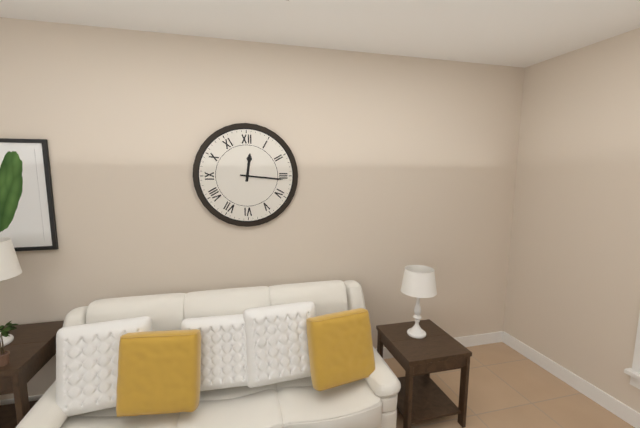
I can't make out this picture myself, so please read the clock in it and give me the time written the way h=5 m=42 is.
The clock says h=12 m=16
